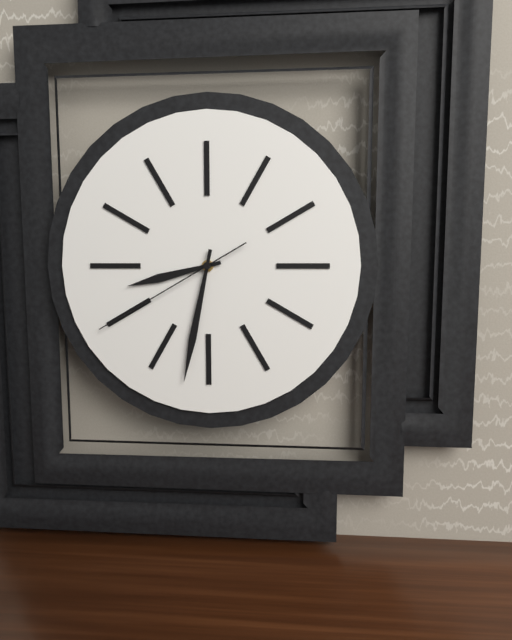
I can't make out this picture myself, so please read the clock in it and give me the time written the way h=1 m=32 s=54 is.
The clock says h=8 m=32 s=40
